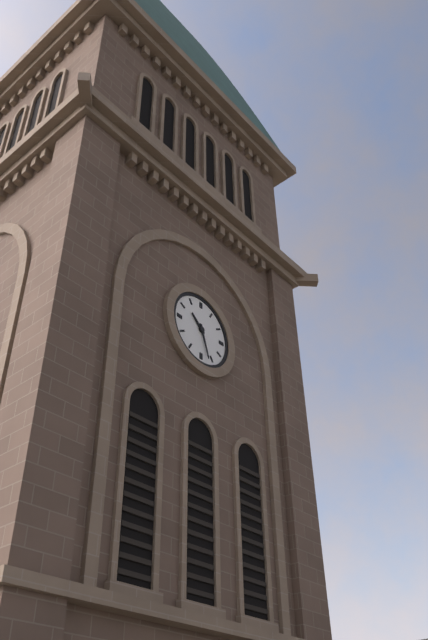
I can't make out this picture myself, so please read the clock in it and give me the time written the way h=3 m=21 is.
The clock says h=10 m=27
